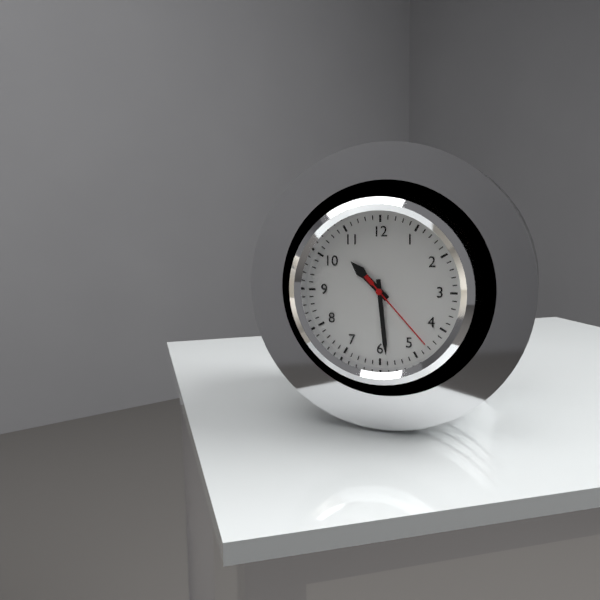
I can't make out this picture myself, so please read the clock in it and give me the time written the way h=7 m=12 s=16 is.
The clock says h=10 m=29 s=23
